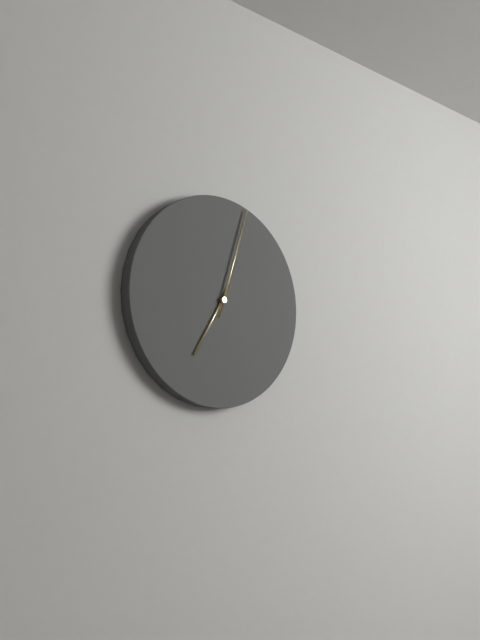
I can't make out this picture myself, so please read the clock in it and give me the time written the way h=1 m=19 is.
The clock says h=7 m=3
